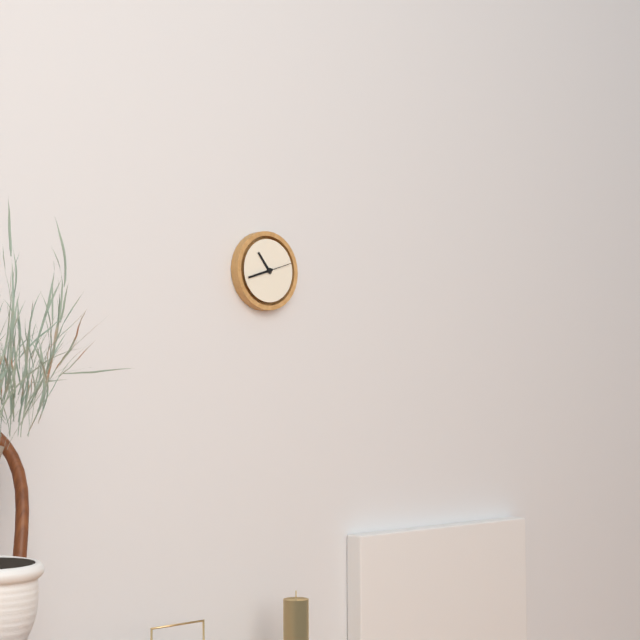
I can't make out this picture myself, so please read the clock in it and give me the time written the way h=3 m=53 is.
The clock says h=10 m=42
